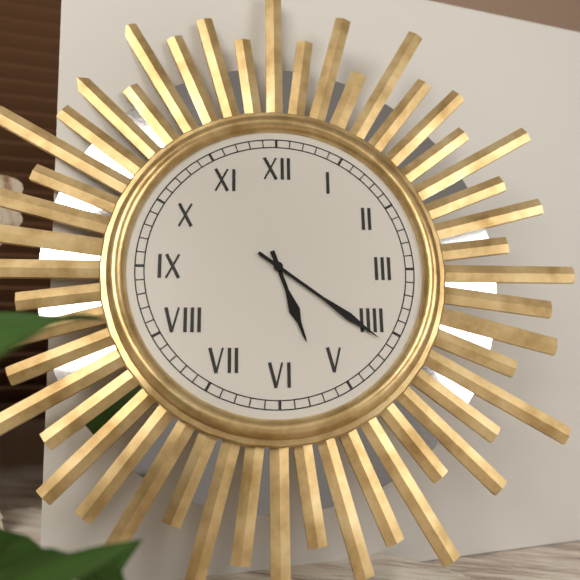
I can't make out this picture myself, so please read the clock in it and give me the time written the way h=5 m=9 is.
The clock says h=5 m=21
